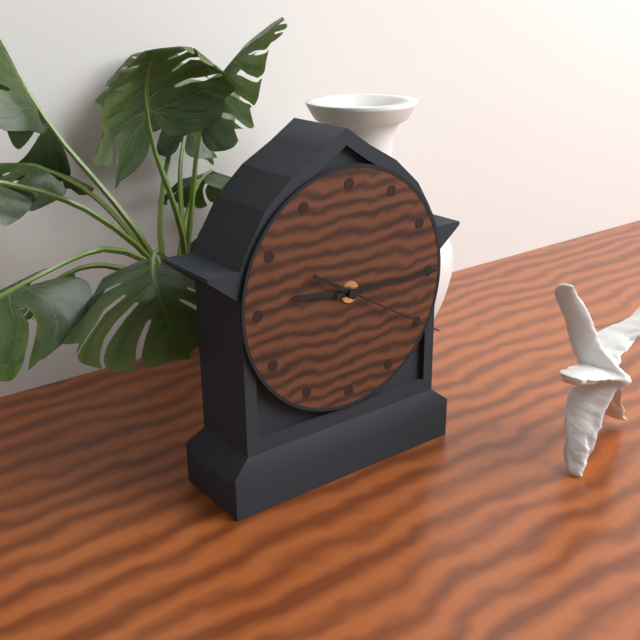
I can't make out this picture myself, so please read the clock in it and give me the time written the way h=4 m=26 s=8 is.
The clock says h=9 m=15 s=20
